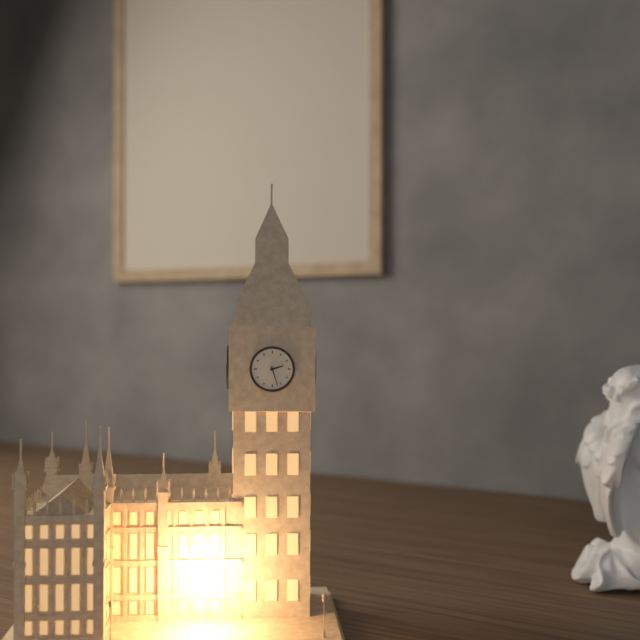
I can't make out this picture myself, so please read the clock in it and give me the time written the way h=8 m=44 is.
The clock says h=2 m=27
